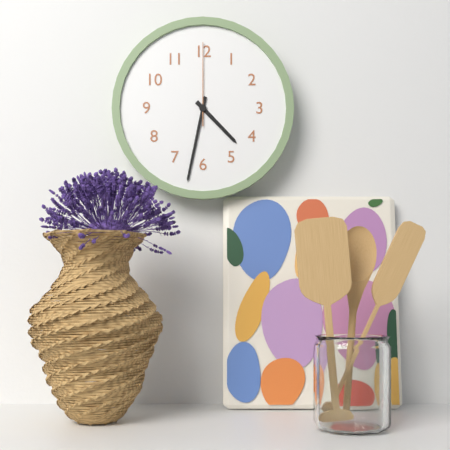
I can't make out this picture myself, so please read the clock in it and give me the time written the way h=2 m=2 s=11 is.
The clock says h=4 m=32 s=0
